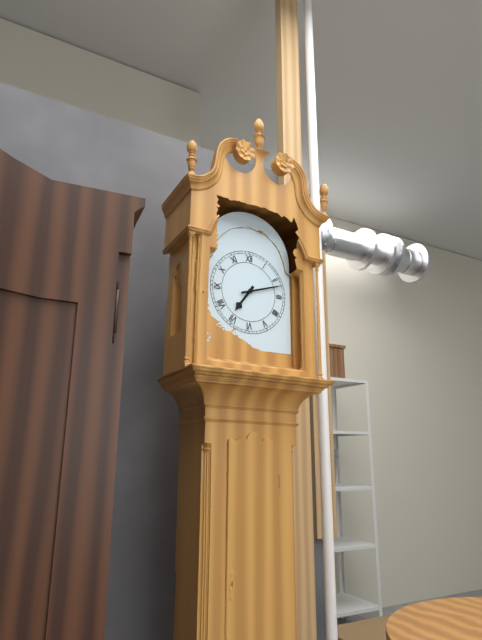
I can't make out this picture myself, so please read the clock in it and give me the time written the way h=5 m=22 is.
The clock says h=7 m=12
